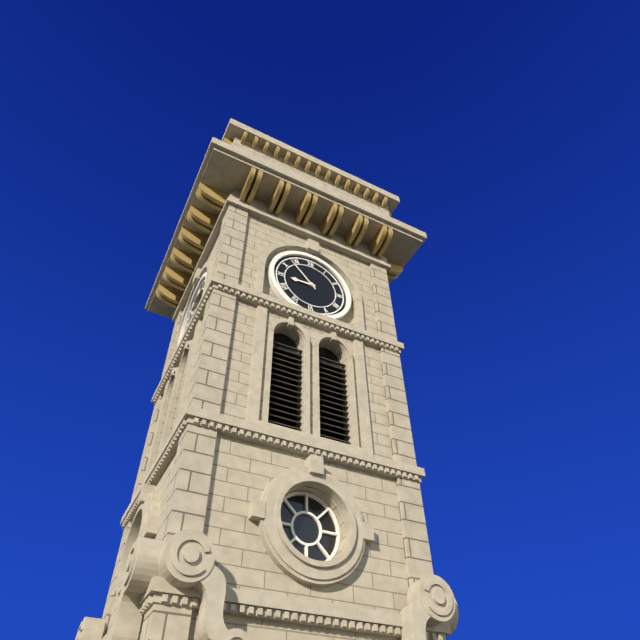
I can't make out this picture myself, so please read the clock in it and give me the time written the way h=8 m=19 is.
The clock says h=8 m=53
